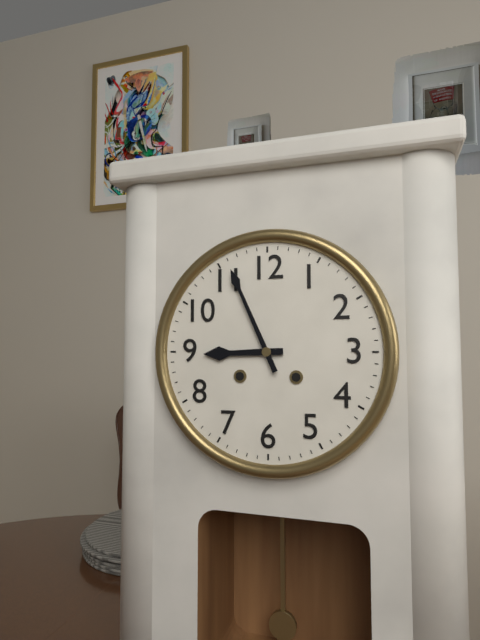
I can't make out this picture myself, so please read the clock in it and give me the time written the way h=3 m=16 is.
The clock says h=8 m=56
